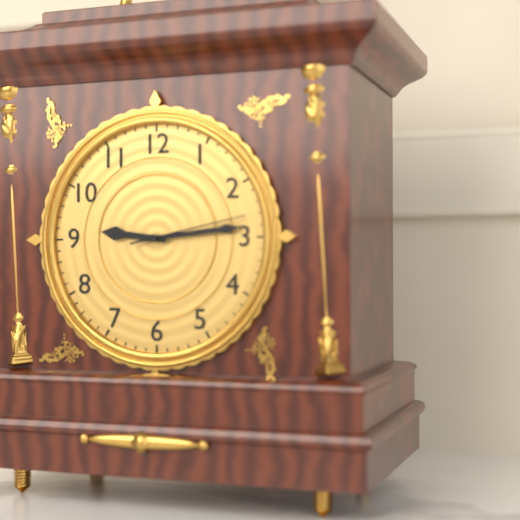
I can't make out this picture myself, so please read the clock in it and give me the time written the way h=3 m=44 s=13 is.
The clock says h=9 m=14 s=13
